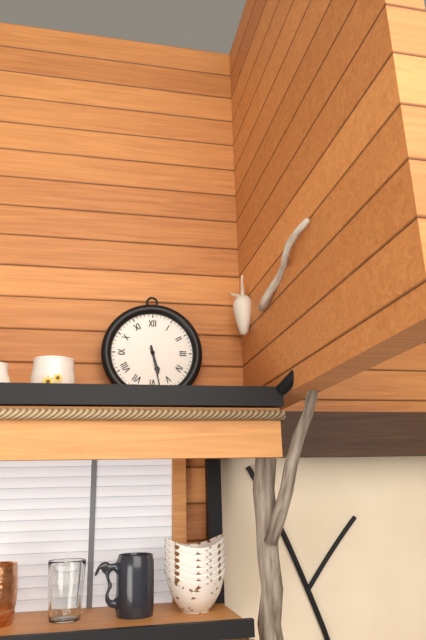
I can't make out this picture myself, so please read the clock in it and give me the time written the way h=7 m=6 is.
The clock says h=5 m=28
